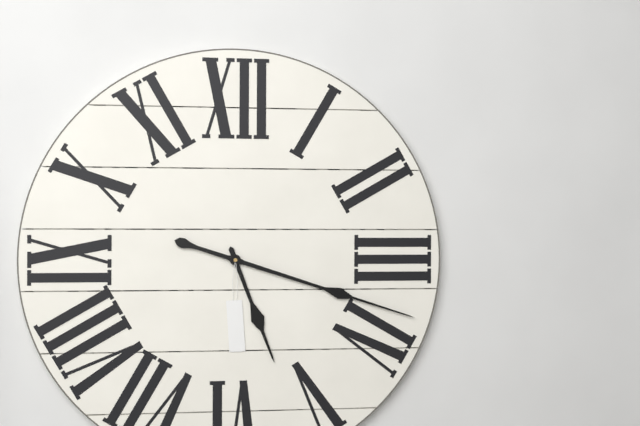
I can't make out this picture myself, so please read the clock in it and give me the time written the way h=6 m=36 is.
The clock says h=5 m=18
